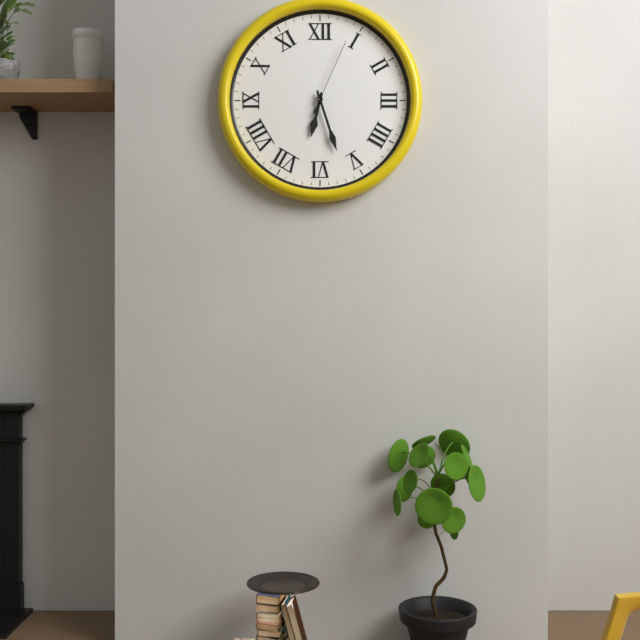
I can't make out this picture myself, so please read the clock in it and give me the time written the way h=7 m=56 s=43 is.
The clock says h=6 m=27 s=4
